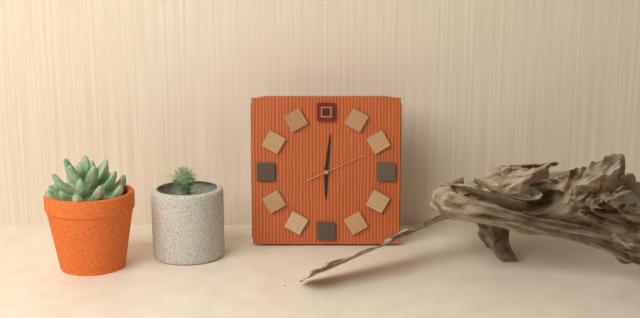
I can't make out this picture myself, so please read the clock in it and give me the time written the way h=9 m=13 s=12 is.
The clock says h=6 m=1 s=11
